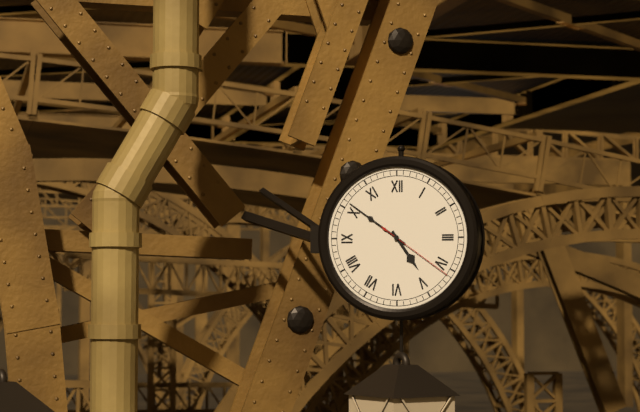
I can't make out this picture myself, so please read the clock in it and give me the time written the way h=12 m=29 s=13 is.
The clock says h=4 m=51 s=21
